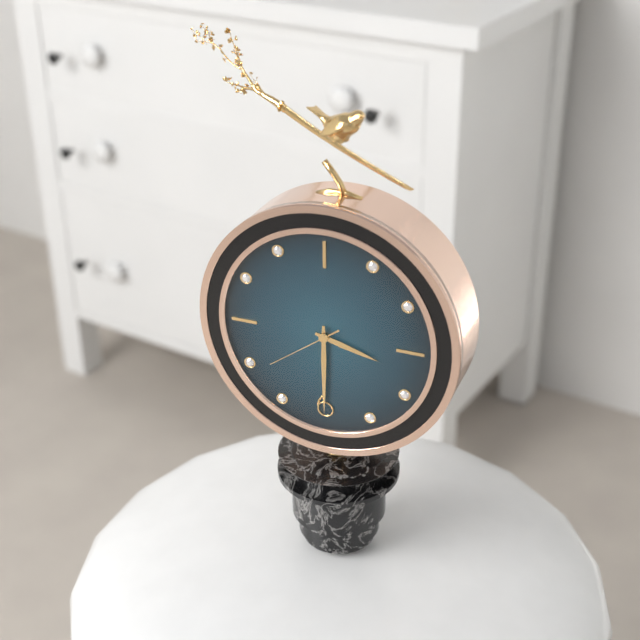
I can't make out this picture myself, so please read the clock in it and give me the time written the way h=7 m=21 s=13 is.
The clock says h=3 m=30 s=39
